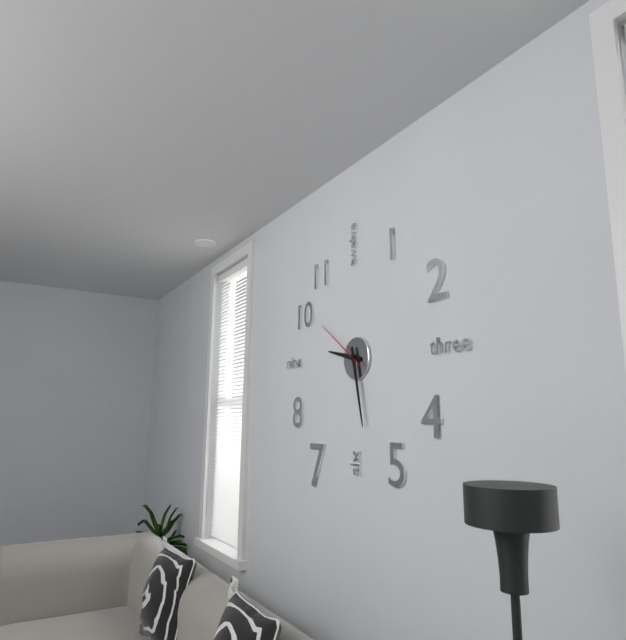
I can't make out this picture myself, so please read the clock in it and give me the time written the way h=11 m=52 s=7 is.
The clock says h=9 m=28 s=51
